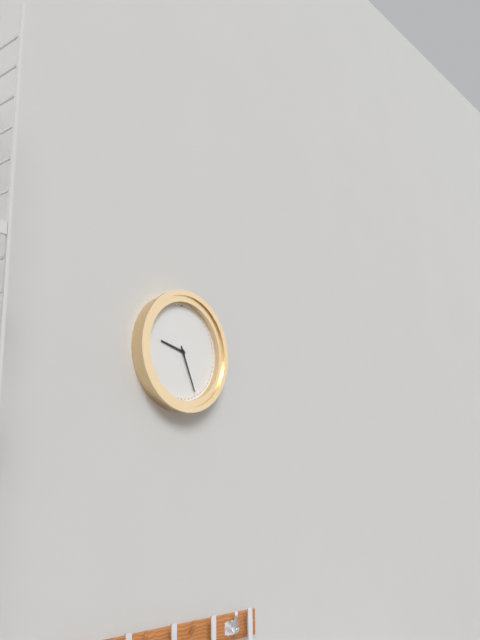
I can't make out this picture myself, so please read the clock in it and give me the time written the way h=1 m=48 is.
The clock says h=9 m=26
